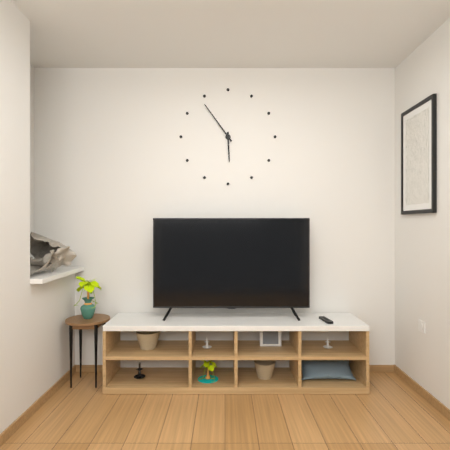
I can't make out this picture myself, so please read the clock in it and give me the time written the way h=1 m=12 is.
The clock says h=5 m=54
